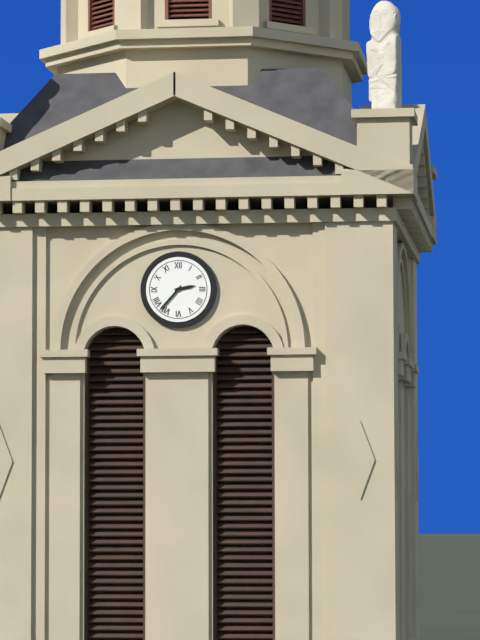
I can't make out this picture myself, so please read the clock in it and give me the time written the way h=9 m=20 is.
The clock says h=2 m=37
